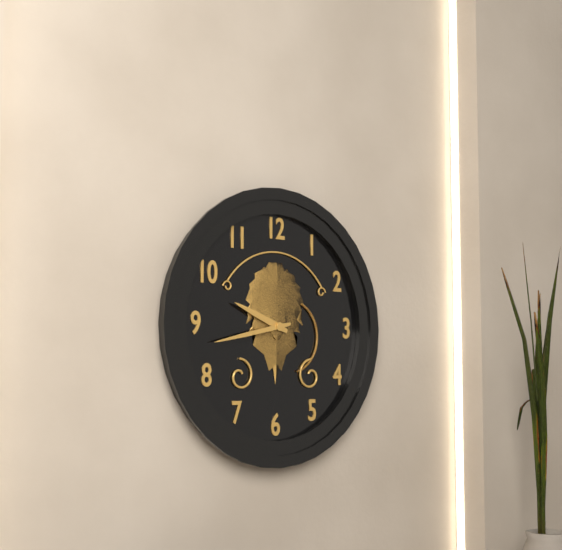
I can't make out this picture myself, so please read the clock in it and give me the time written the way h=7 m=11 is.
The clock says h=9 m=43
